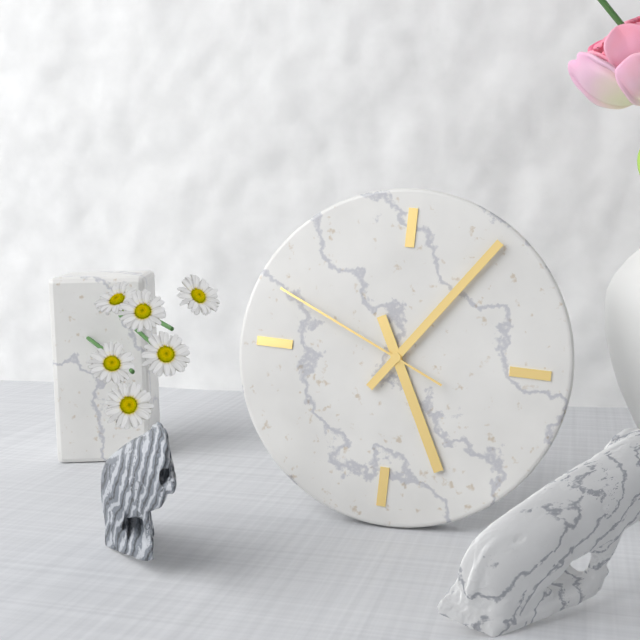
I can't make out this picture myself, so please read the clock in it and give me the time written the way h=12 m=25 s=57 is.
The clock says h=5 m=6 s=49
